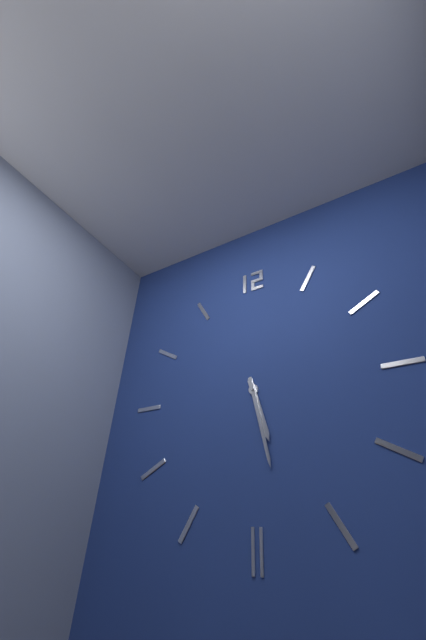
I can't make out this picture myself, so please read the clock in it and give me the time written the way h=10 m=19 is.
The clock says h=5 m=28
